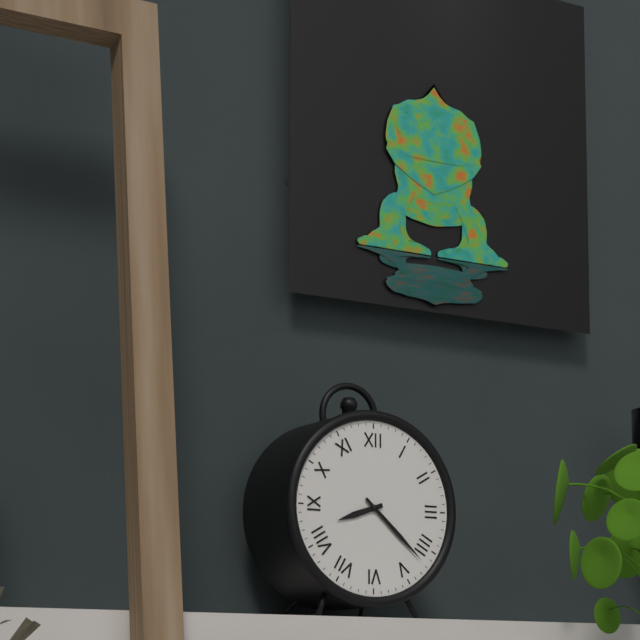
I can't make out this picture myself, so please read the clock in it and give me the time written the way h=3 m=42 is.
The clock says h=8 m=22
